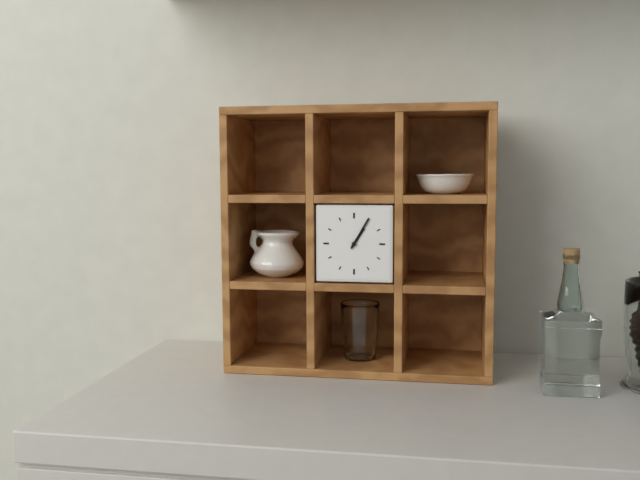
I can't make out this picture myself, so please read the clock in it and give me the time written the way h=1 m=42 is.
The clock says h=1 m=5
